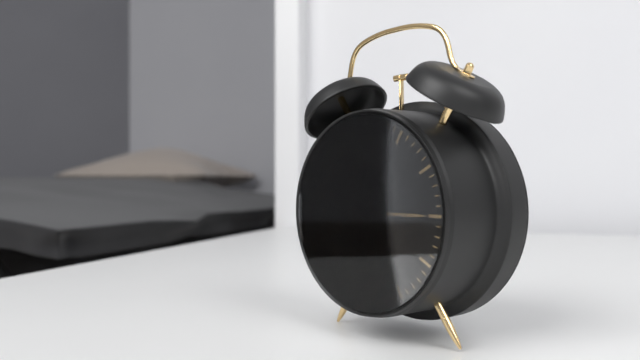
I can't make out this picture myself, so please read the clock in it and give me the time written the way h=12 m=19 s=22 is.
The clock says h=7 m=15 s=46
